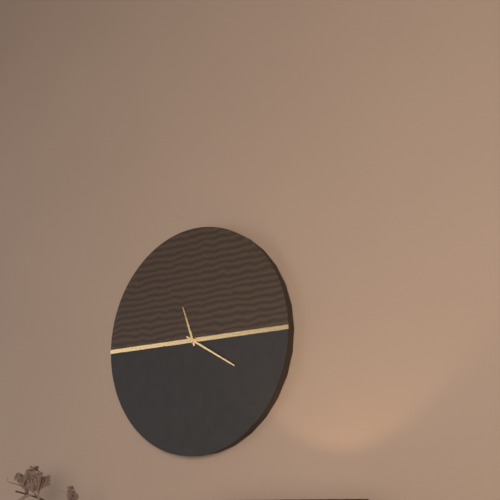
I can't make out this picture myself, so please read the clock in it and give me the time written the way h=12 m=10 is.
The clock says h=11 m=20
